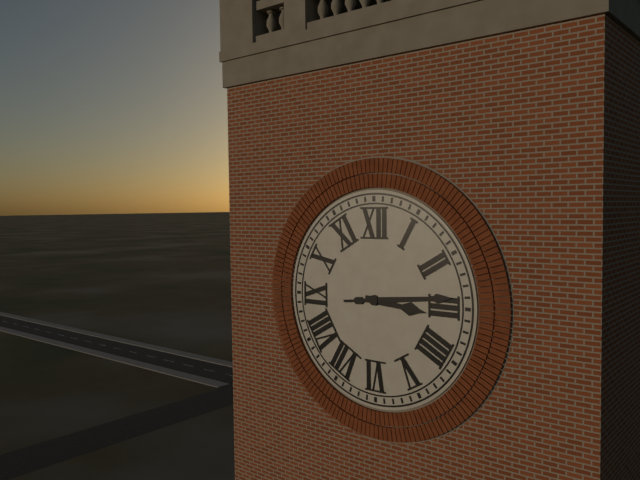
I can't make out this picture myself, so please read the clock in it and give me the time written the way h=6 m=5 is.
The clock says h=3 m=14
